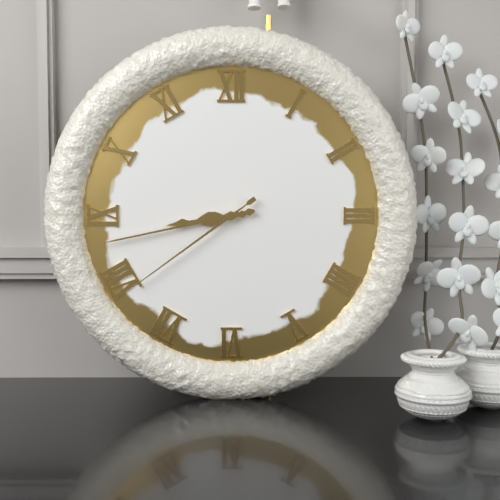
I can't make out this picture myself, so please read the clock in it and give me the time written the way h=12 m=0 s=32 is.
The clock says h=8 m=43 s=39
